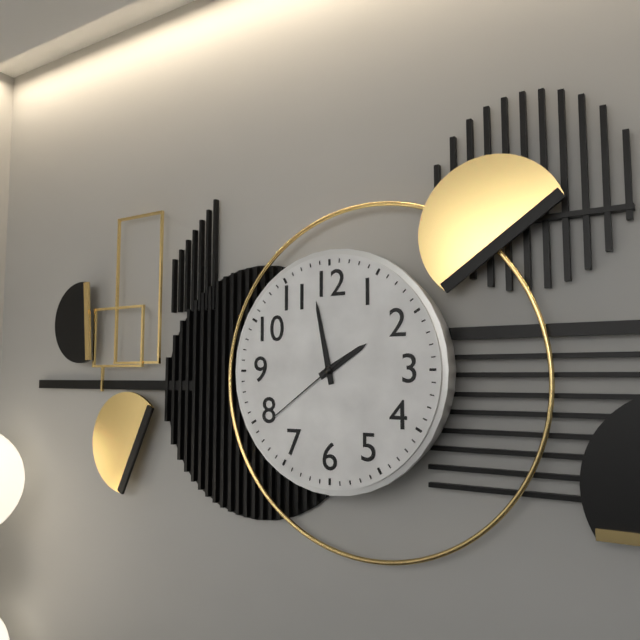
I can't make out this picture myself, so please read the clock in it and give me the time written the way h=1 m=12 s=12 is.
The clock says h=1 m=58 s=39
